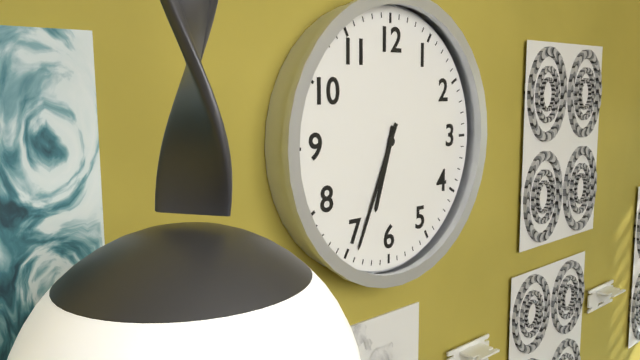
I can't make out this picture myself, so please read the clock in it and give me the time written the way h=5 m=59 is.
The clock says h=6 m=34
